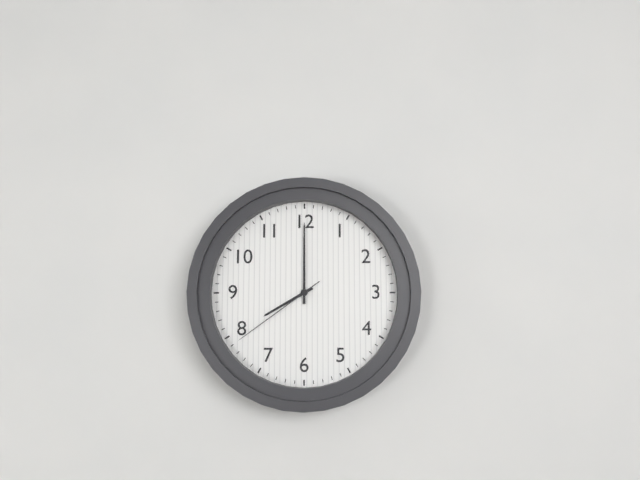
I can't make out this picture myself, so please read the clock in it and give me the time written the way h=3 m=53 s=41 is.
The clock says h=8 m=0 s=39
